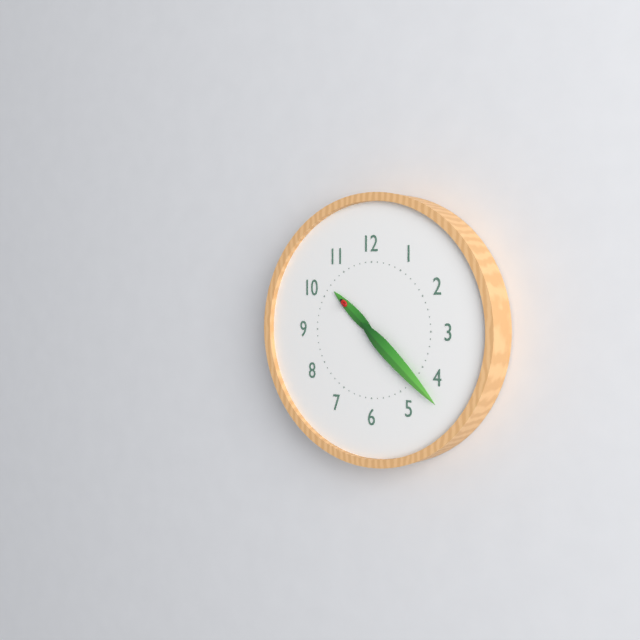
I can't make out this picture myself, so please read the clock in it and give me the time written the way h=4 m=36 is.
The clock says h=10 m=22
